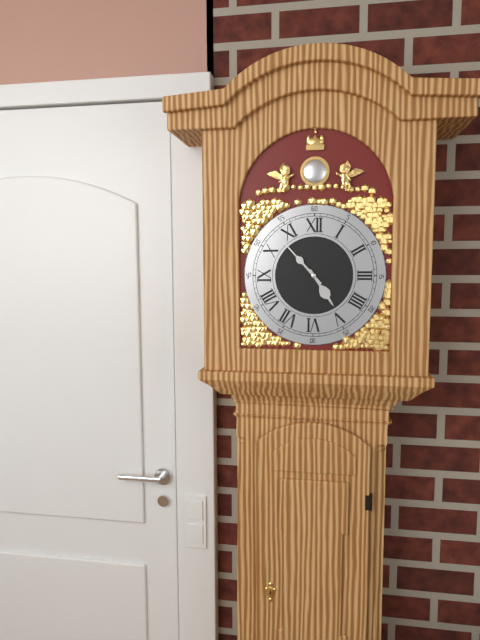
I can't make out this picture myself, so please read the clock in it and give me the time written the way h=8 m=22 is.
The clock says h=4 m=53
